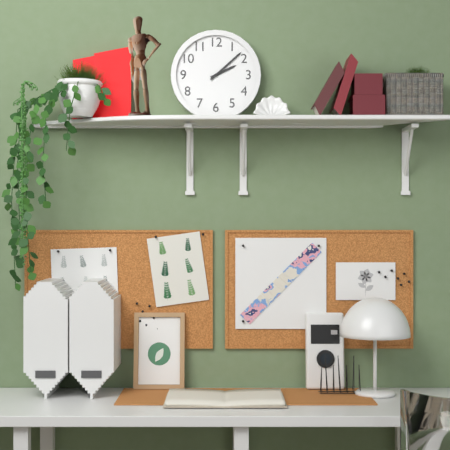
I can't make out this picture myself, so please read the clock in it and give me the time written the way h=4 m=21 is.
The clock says h=2 m=8
